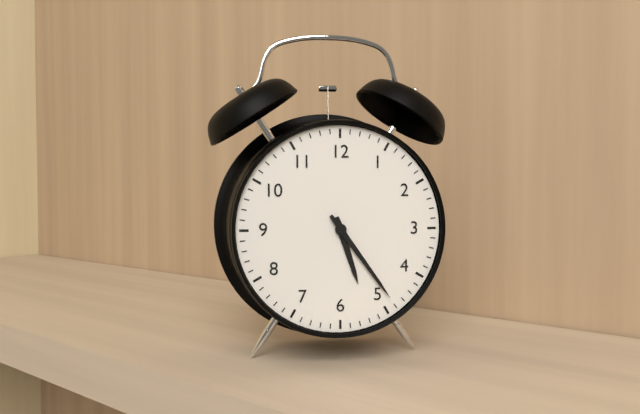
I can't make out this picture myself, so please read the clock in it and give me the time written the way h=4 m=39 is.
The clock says h=5 m=24
